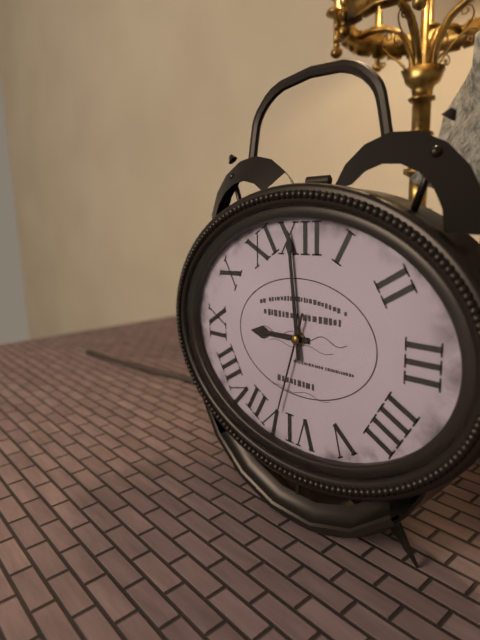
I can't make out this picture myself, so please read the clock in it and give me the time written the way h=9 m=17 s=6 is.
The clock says h=8 m=59 s=33
